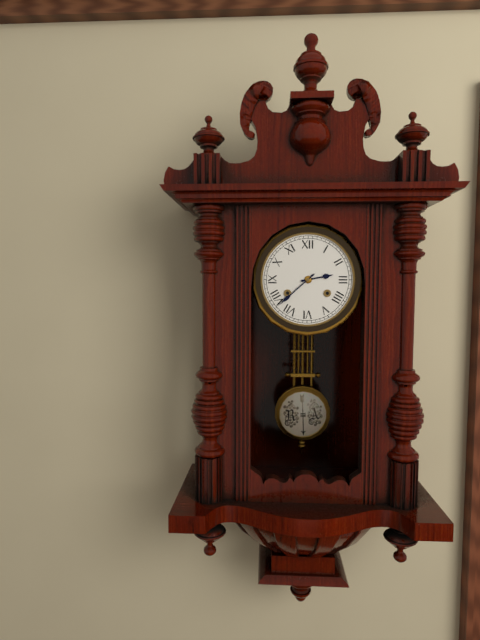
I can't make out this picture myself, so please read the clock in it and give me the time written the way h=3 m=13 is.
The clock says h=2 m=38
